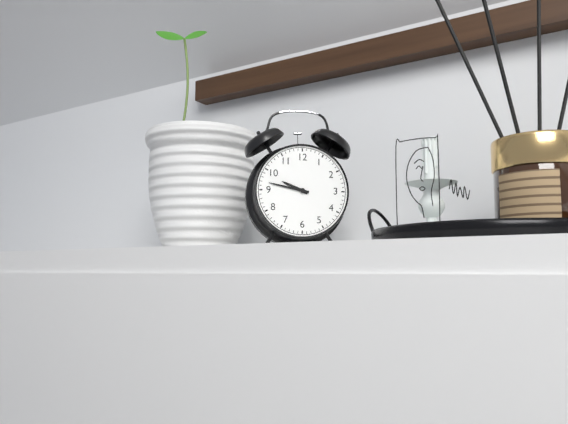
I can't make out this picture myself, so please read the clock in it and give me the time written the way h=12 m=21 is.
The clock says h=9 m=47
